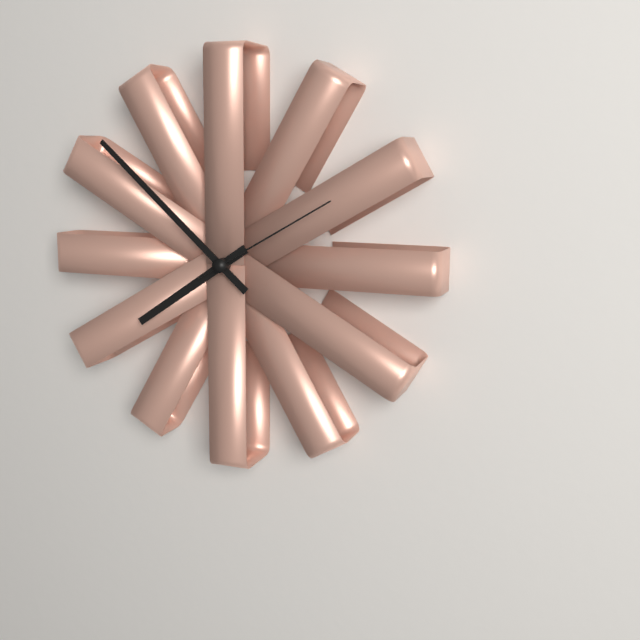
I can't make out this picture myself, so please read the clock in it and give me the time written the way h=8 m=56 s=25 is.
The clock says h=7 m=52 s=10
